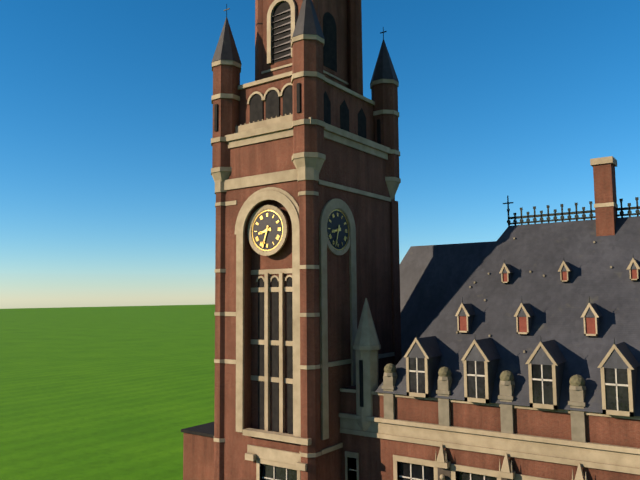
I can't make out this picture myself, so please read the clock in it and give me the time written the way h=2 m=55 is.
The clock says h=8 m=33
